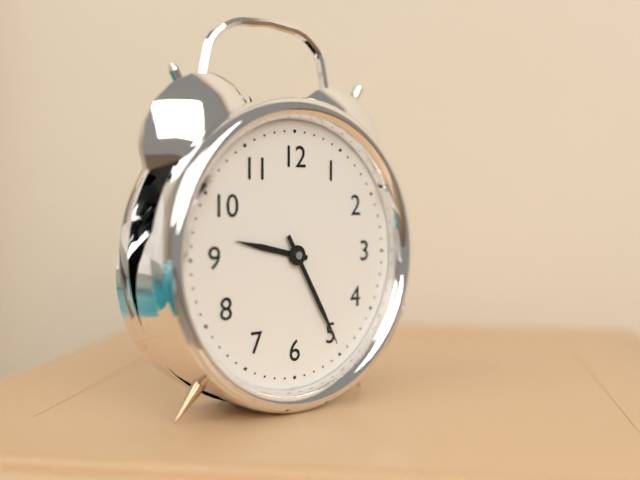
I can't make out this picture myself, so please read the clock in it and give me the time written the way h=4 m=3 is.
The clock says h=9 m=25
